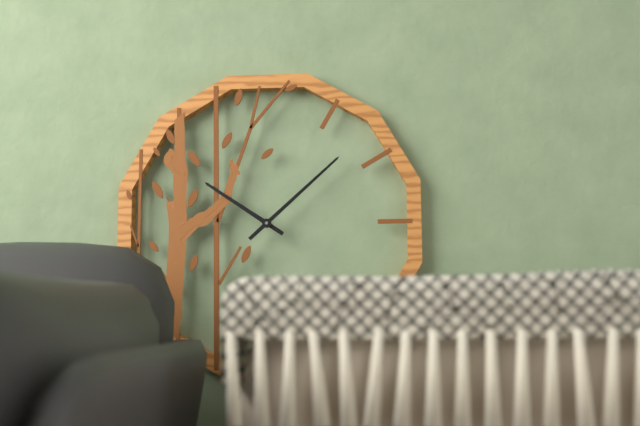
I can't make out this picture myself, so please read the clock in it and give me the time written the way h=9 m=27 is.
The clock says h=10 m=8
